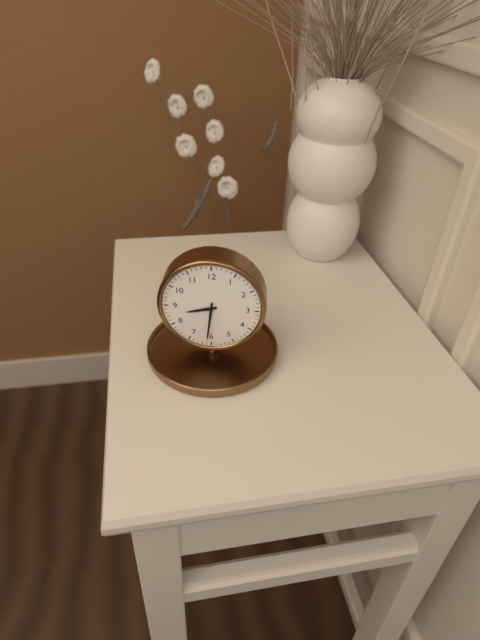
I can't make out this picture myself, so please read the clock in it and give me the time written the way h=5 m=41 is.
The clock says h=8 m=31
